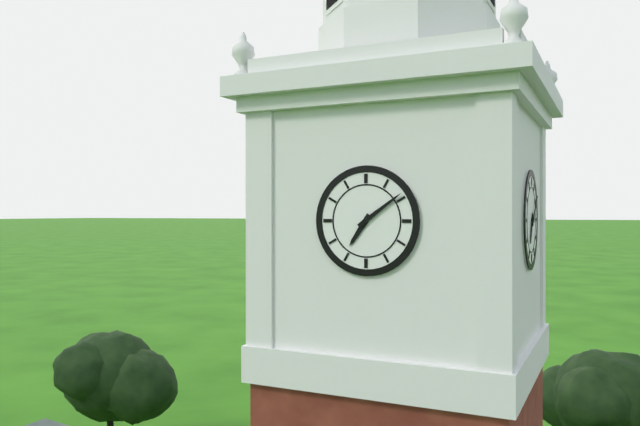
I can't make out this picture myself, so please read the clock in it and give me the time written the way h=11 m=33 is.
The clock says h=7 m=9
